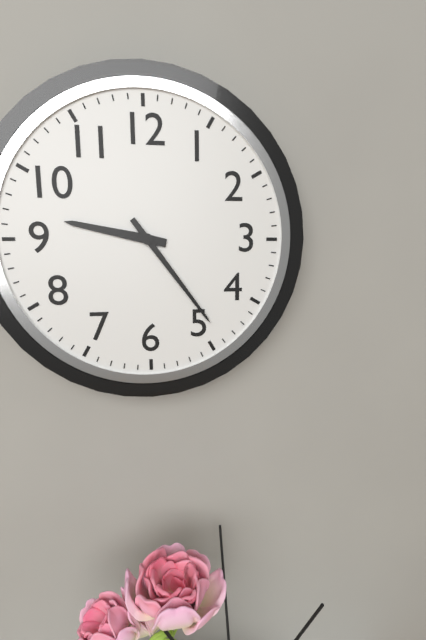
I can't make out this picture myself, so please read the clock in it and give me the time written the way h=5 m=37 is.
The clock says h=9 m=24
